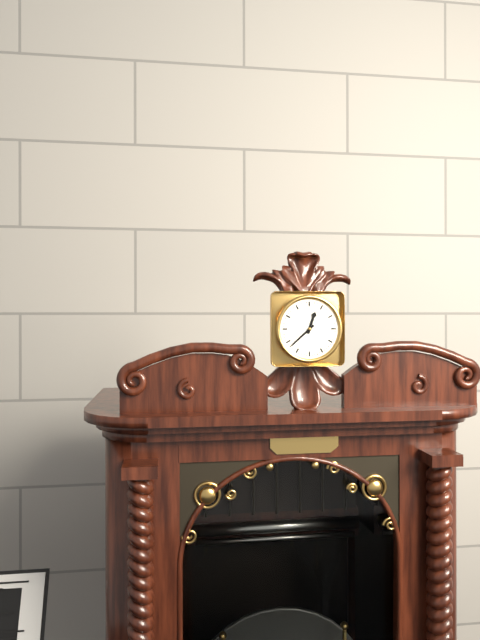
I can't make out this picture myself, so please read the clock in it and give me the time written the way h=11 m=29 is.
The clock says h=12 m=38
